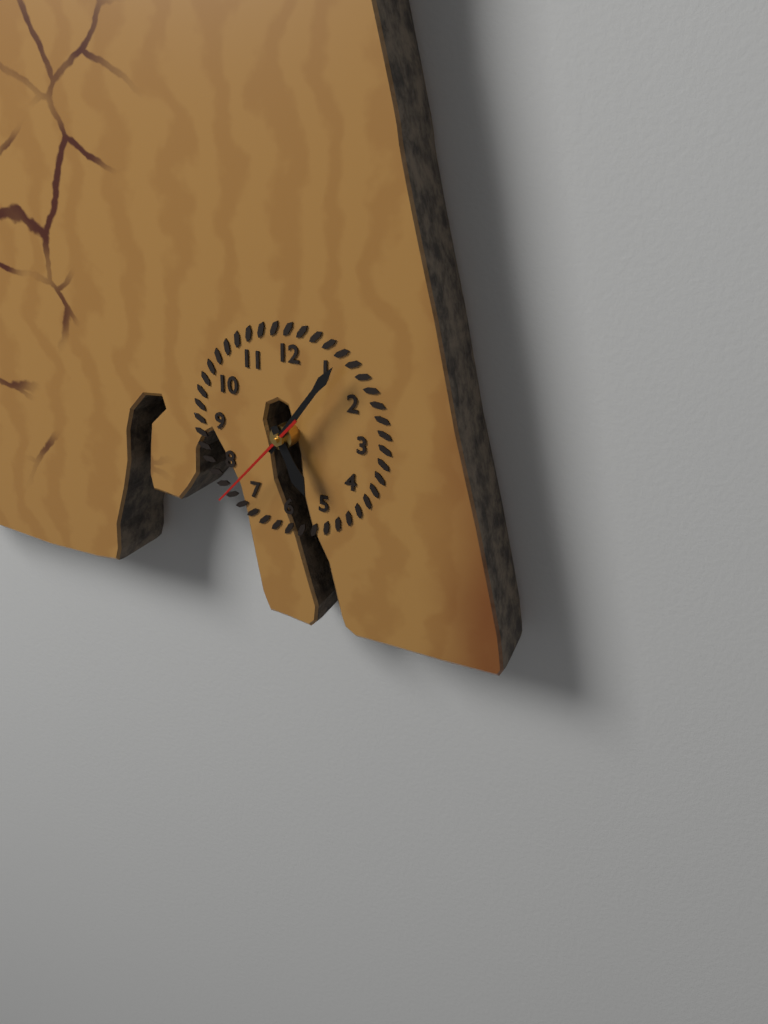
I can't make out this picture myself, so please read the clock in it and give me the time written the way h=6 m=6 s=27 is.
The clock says h=5 m=6 s=37
